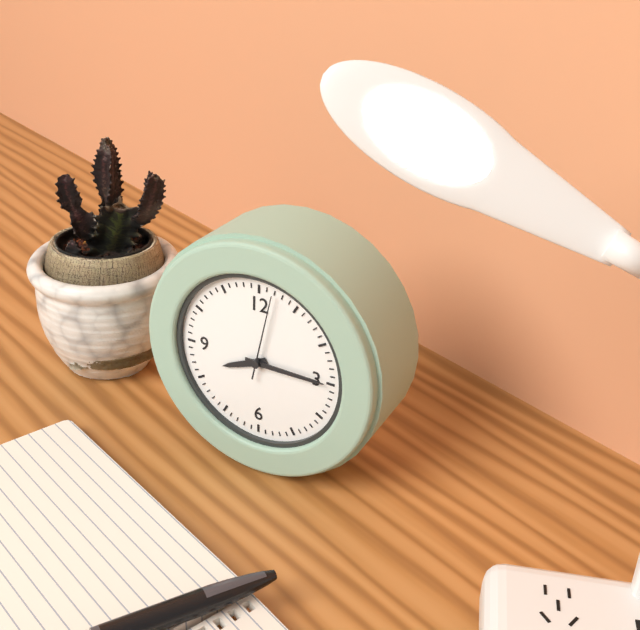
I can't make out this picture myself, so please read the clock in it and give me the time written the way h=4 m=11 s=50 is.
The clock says h=8 m=15 s=2
